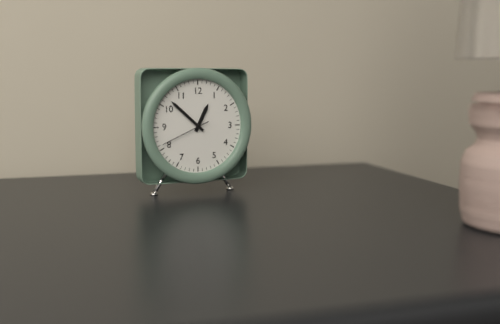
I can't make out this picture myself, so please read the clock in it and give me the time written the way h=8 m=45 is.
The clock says h=12 m=52
